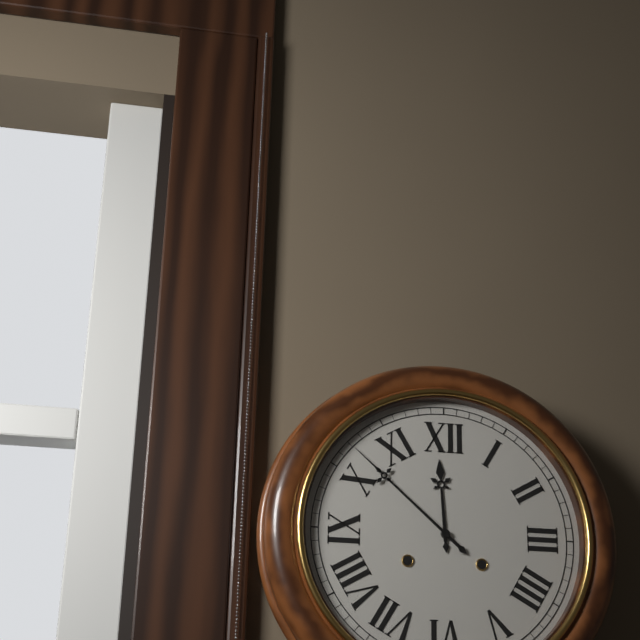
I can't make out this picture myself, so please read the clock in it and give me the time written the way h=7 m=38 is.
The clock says h=11 m=52
